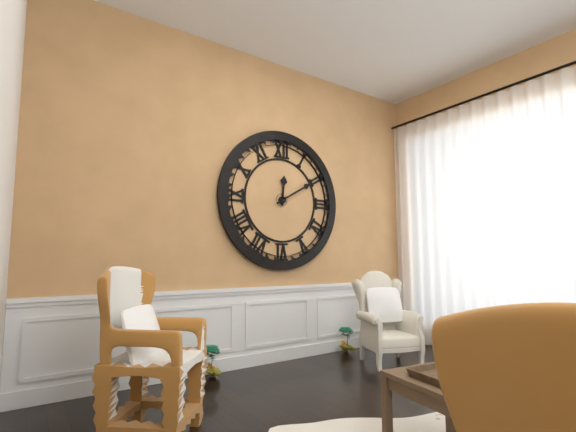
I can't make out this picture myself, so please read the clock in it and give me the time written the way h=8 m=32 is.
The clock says h=12 m=10
